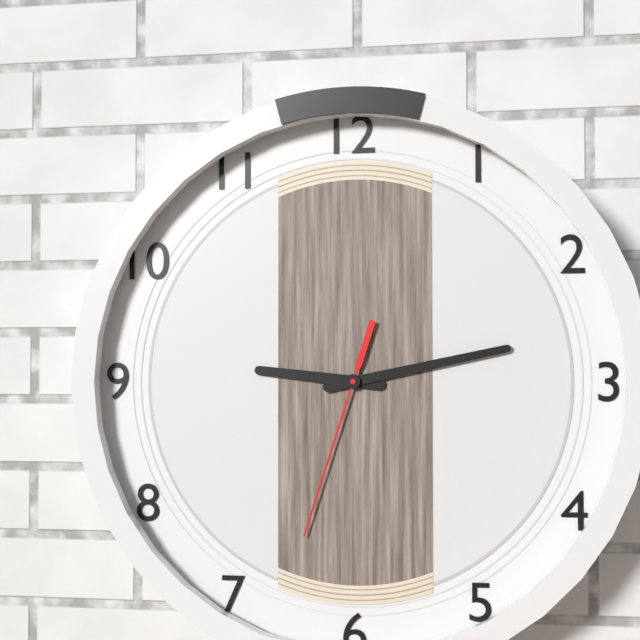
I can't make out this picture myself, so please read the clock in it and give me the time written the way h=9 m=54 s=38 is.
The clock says h=9 m=13 s=33
